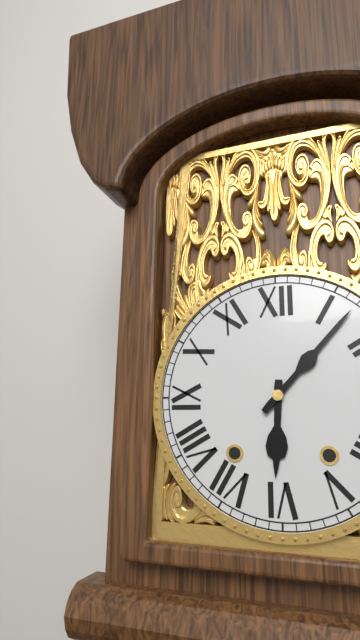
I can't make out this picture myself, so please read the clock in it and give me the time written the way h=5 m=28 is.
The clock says h=6 m=7
